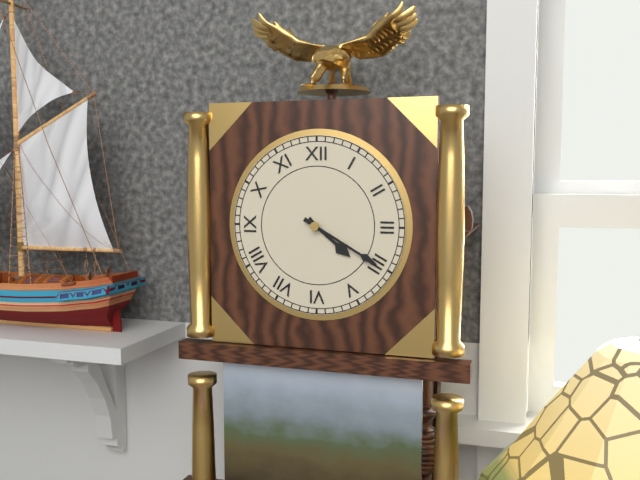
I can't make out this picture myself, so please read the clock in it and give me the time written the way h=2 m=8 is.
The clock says h=4 m=20
